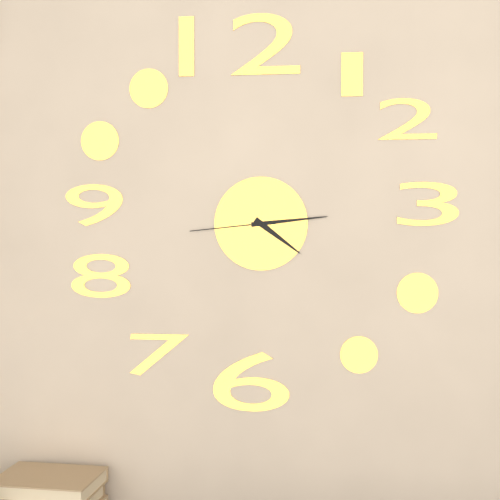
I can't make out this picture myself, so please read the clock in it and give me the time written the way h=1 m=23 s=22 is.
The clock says h=4 m=14 s=44
